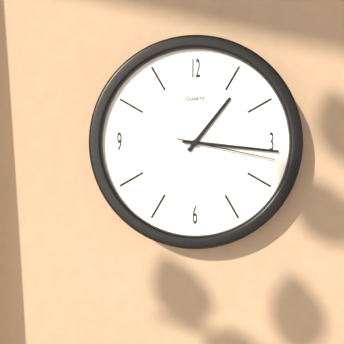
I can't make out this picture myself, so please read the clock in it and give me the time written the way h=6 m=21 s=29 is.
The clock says h=1 m=16 s=17
